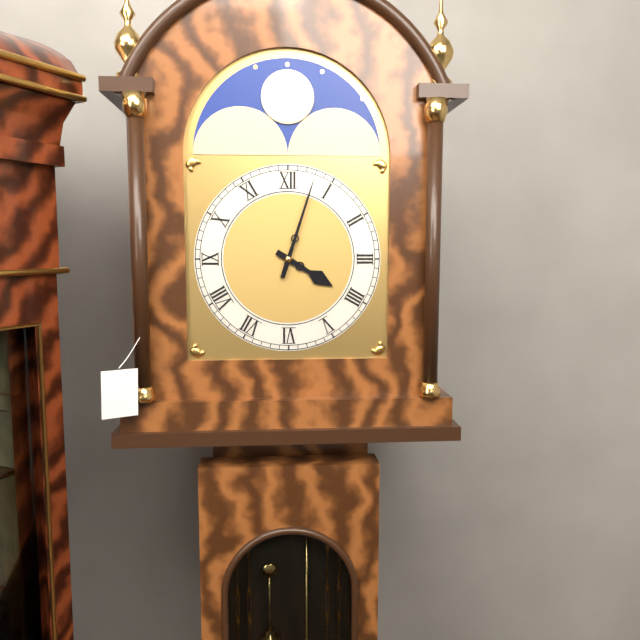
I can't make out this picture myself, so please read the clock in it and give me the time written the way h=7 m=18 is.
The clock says h=4 m=3
